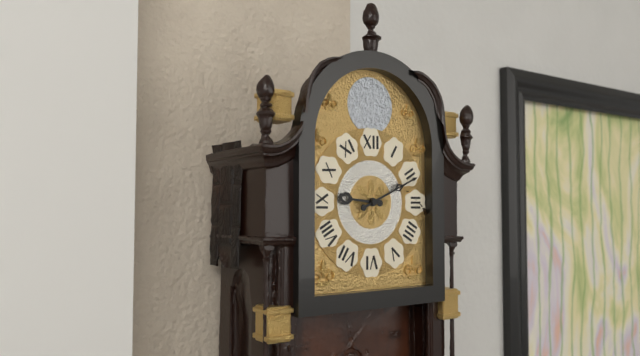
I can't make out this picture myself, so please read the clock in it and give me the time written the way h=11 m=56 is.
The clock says h=9 m=11
